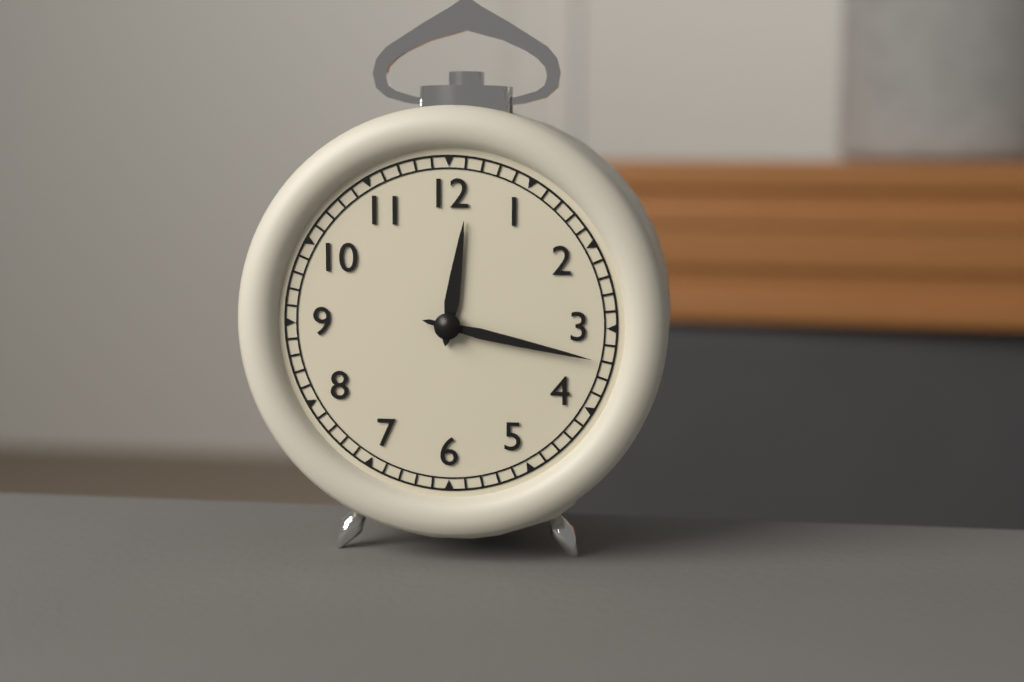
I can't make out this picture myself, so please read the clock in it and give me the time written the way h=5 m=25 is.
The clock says h=12 m=17
